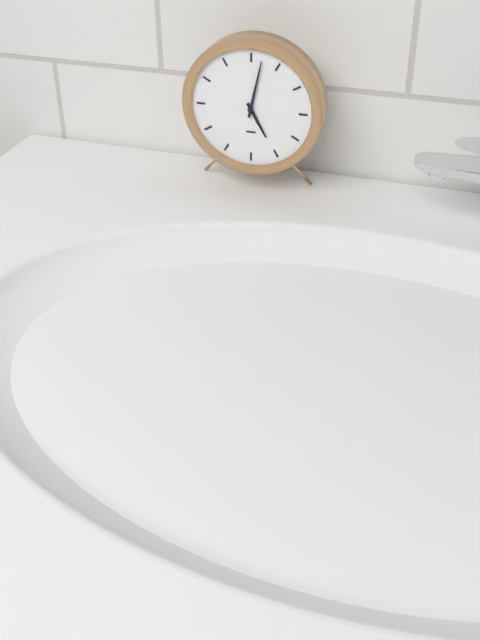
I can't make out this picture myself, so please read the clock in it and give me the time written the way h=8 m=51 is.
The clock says h=5 m=2
